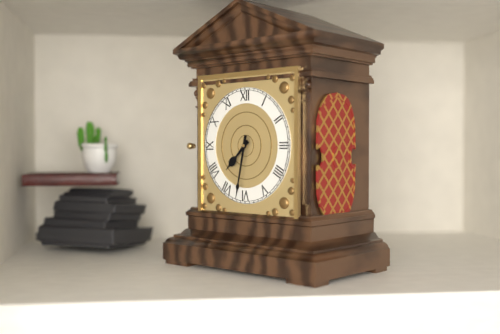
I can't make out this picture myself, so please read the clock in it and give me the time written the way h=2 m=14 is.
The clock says h=7 m=32
